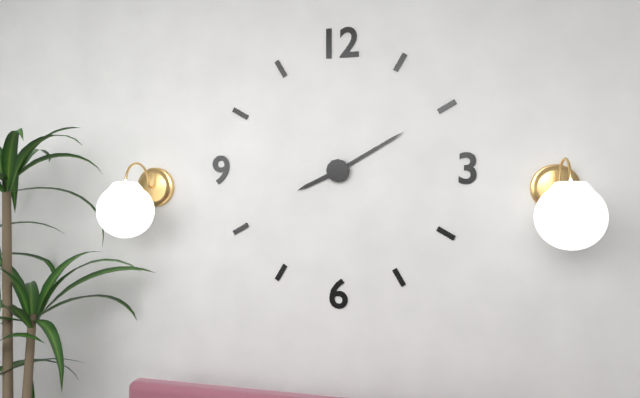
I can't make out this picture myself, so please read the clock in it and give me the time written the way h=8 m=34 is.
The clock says h=8 m=10
